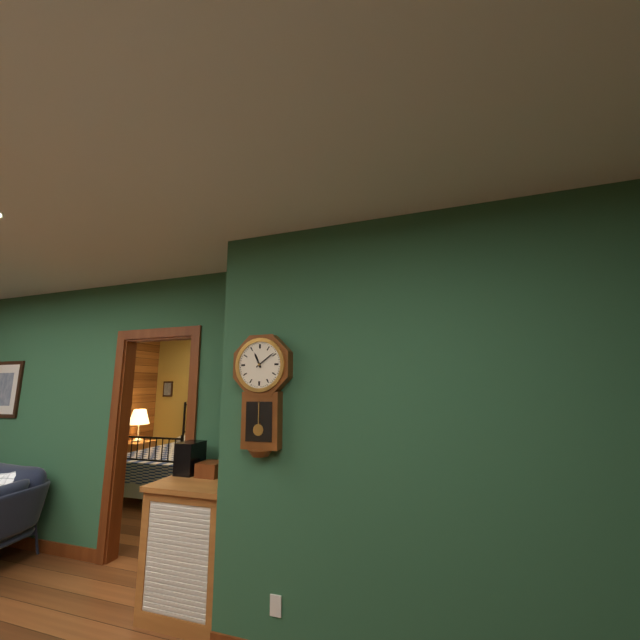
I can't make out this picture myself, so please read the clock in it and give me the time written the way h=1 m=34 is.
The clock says h=11 m=9
